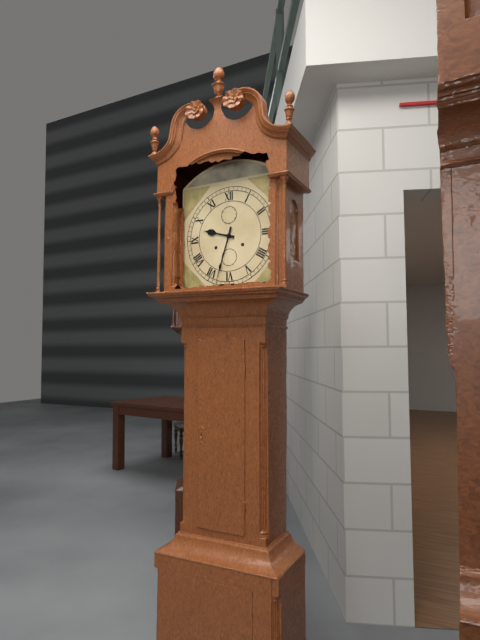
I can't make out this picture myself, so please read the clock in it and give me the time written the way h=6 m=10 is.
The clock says h=9 m=33
